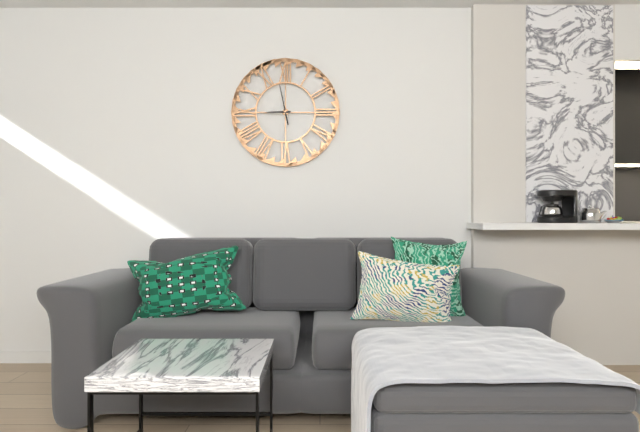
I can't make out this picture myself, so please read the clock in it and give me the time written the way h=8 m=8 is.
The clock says h=8 m=58
